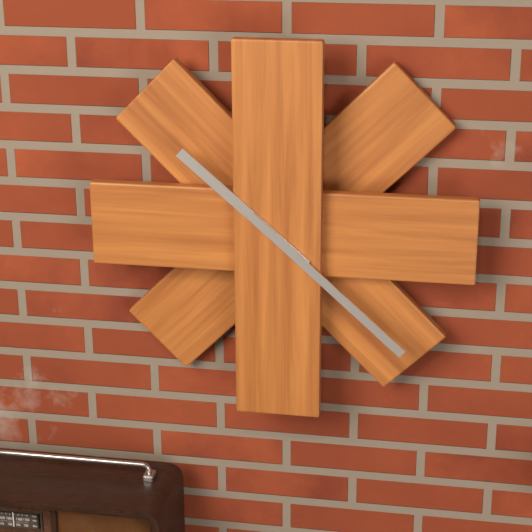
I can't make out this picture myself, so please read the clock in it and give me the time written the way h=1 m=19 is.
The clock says h=10 m=22
